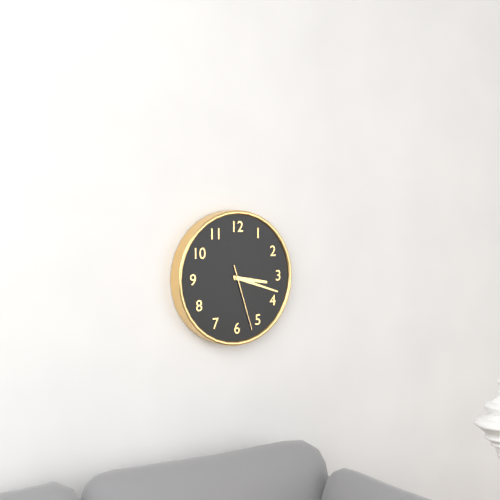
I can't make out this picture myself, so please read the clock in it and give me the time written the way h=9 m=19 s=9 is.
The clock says h=3 m=18 s=27
